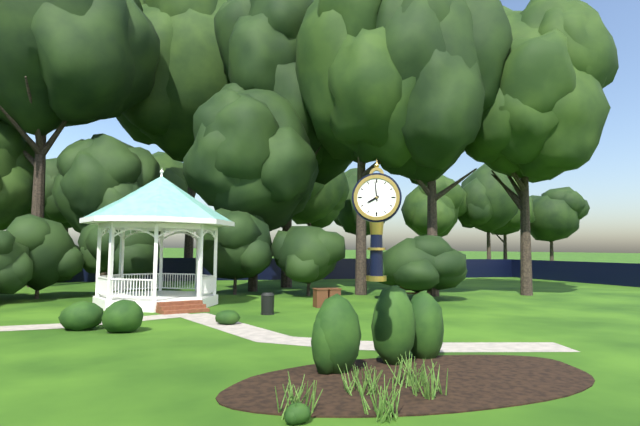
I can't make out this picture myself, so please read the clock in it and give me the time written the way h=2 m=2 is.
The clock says h=7 m=59
